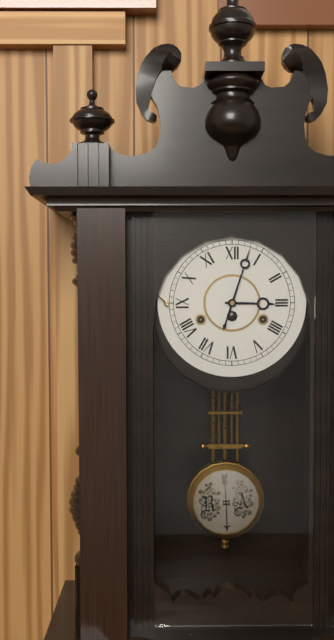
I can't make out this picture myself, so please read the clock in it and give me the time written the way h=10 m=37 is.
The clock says h=3 m=3
